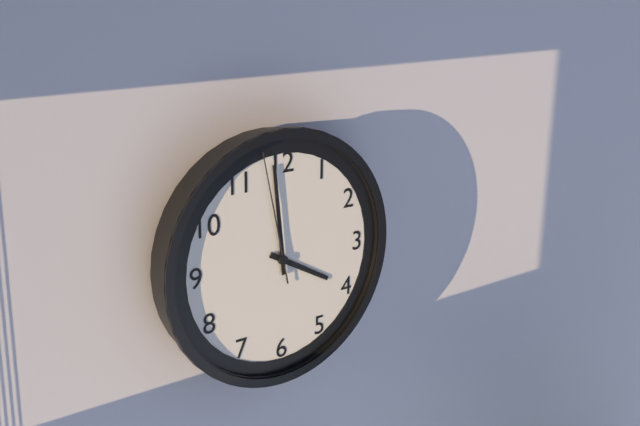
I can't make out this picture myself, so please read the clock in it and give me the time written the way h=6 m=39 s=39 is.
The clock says h=3 m=59 s=58
